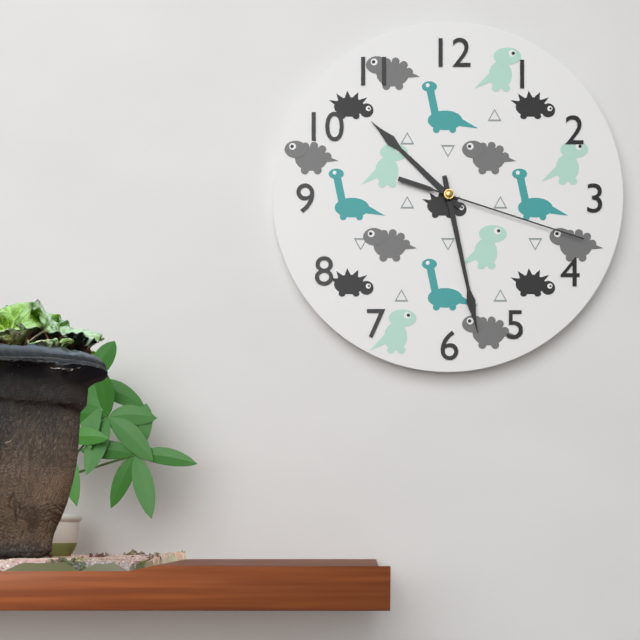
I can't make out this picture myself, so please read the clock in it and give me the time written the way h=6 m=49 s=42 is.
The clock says h=10 m=28 s=18
